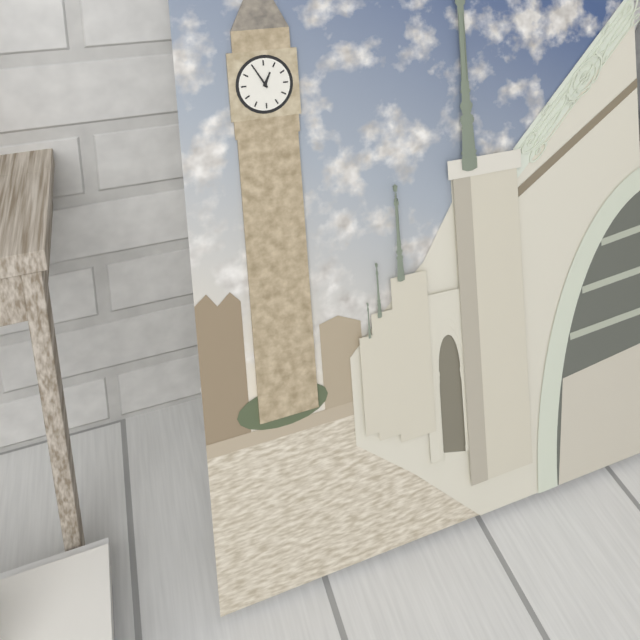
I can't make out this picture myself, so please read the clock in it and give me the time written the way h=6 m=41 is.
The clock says h=12 m=55
